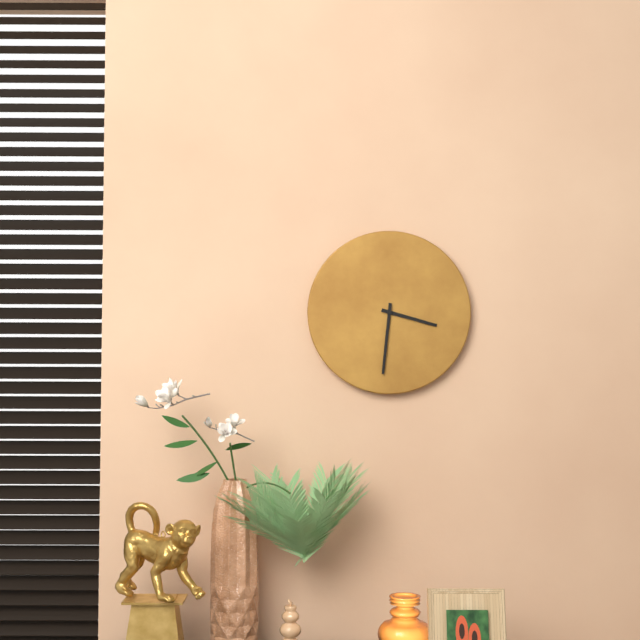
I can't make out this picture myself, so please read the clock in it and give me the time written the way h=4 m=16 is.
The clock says h=3 m=31
